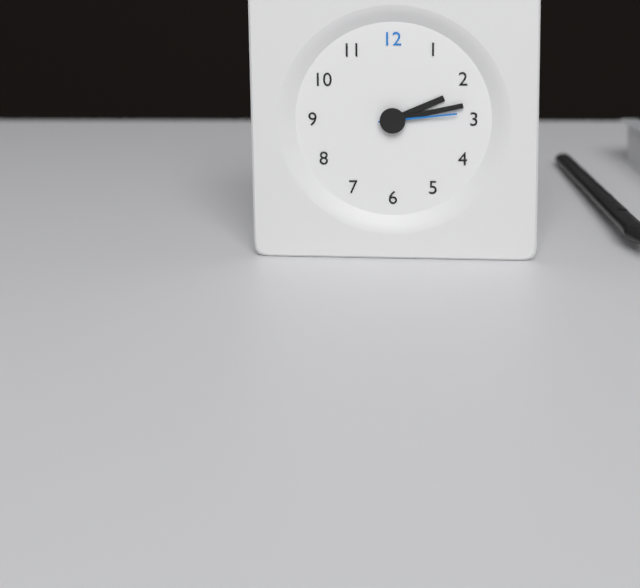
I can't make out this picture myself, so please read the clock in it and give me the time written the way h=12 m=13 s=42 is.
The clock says h=2 m=13 s=14
